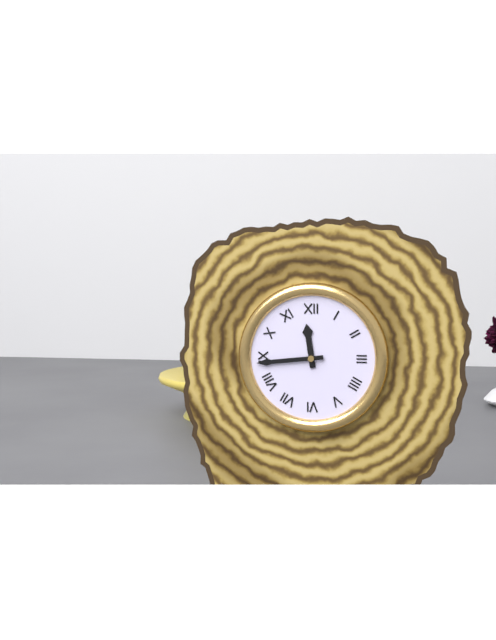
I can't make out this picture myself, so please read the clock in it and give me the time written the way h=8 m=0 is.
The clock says h=11 m=44
